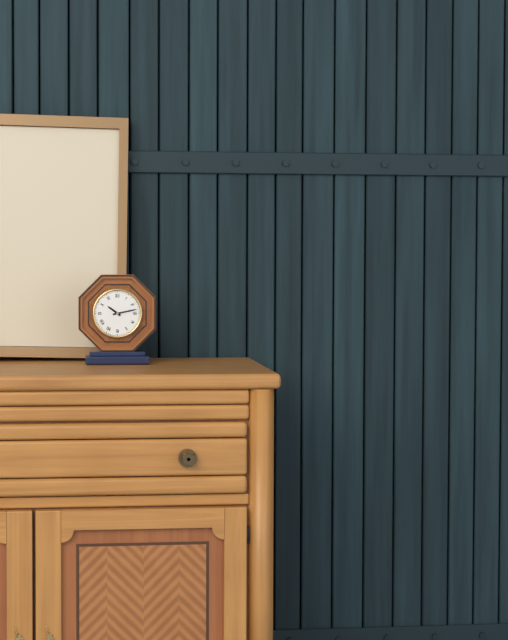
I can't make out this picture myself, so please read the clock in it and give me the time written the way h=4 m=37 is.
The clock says h=10 m=13
